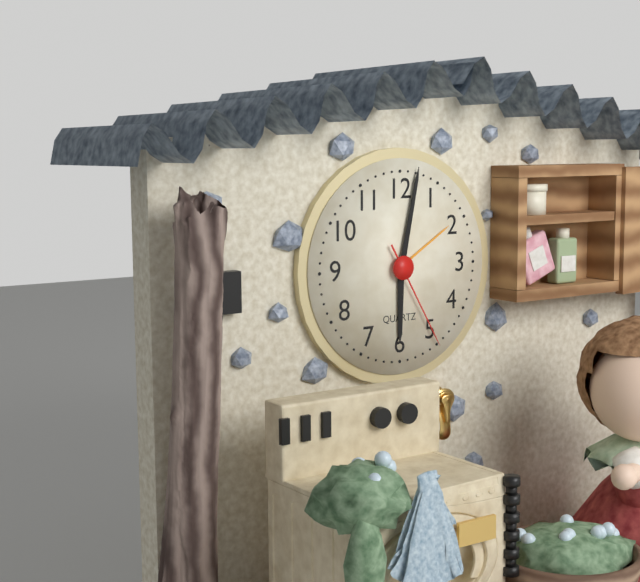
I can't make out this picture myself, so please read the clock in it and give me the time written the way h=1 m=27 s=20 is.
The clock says h=6 m=2 s=25
